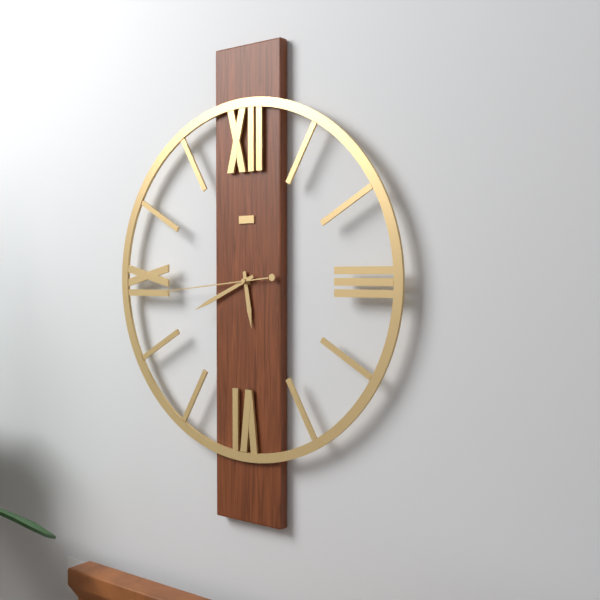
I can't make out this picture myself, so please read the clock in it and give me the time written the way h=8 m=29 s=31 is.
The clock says h=5 m=41 s=44
